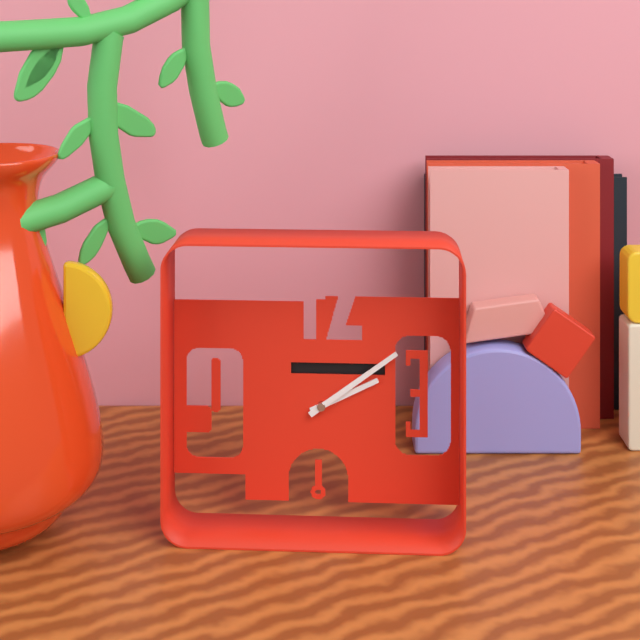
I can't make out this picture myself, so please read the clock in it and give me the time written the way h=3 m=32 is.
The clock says h=2 m=9
